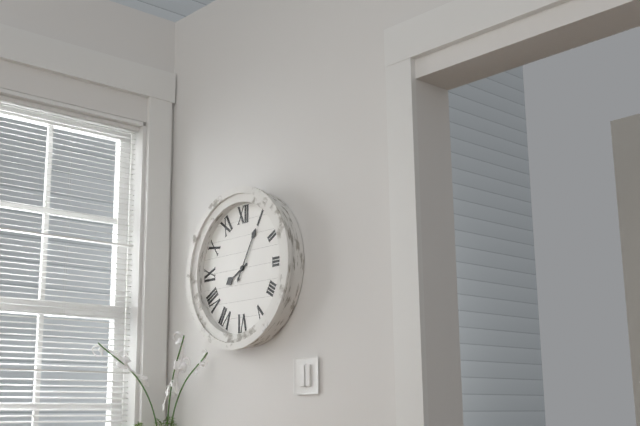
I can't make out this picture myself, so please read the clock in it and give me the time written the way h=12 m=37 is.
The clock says h=8 m=5
